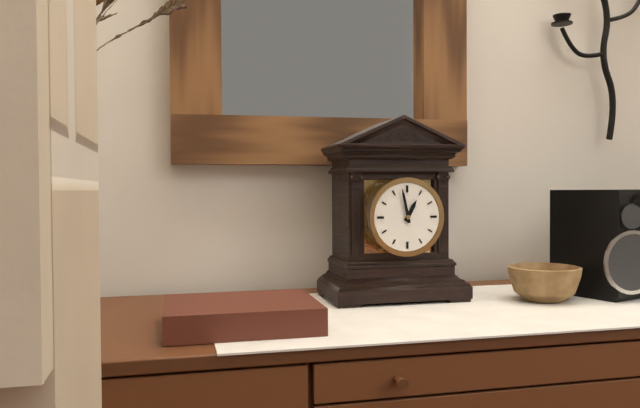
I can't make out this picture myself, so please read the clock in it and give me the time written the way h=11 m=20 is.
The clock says h=12 m=58
